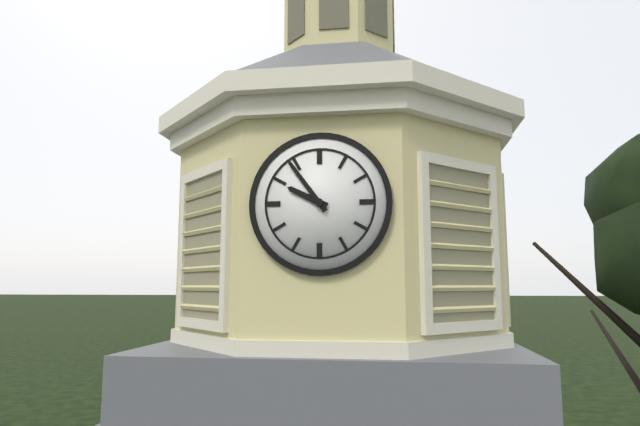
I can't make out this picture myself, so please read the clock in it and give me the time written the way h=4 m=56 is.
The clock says h=9 m=54
